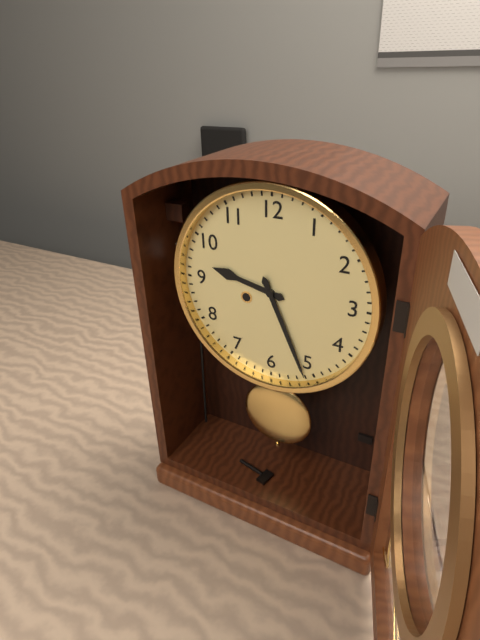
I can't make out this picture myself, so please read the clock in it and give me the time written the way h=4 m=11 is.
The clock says h=9 m=26
